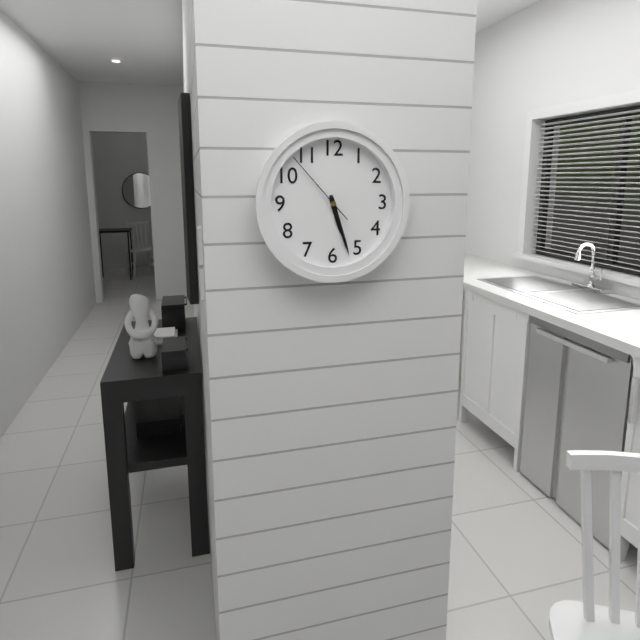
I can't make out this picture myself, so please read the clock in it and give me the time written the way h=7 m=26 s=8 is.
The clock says h=5 m=27 s=53
